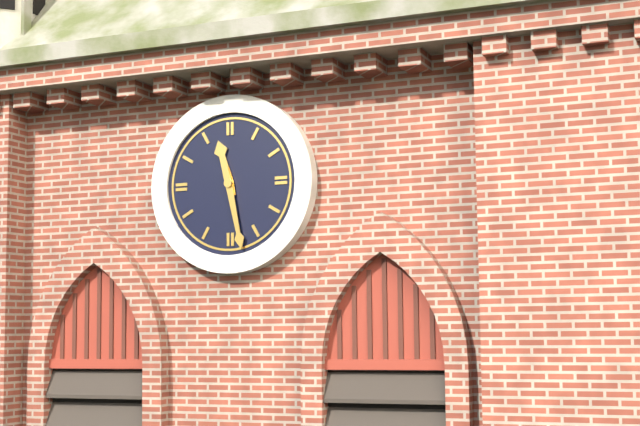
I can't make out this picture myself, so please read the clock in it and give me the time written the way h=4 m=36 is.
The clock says h=11 m=28
